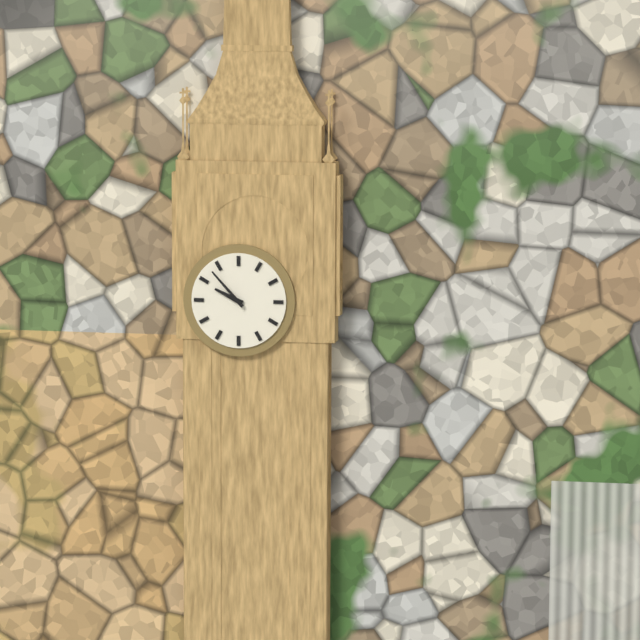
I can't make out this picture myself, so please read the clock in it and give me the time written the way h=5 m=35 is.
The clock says h=9 m=53
